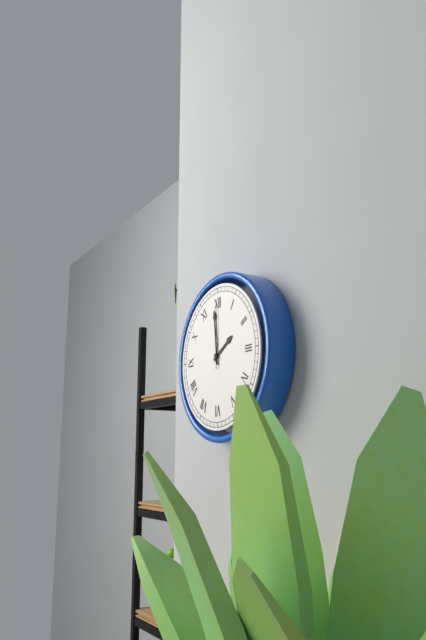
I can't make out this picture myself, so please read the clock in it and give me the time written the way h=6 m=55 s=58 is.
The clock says h=1 m=59 s=0
